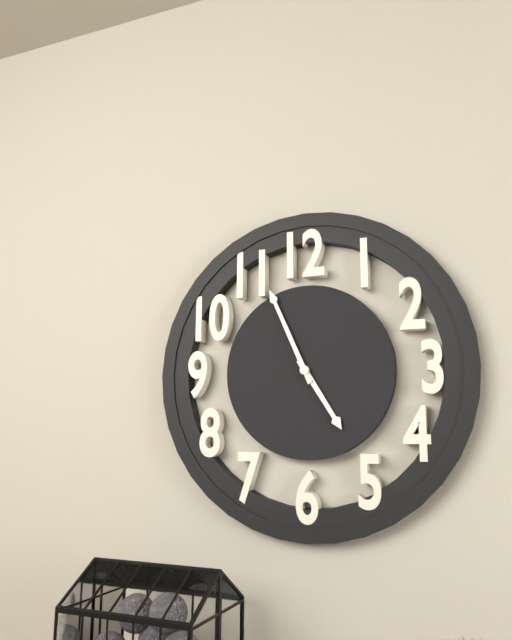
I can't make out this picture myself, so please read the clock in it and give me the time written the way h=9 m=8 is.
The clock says h=4 m=56
